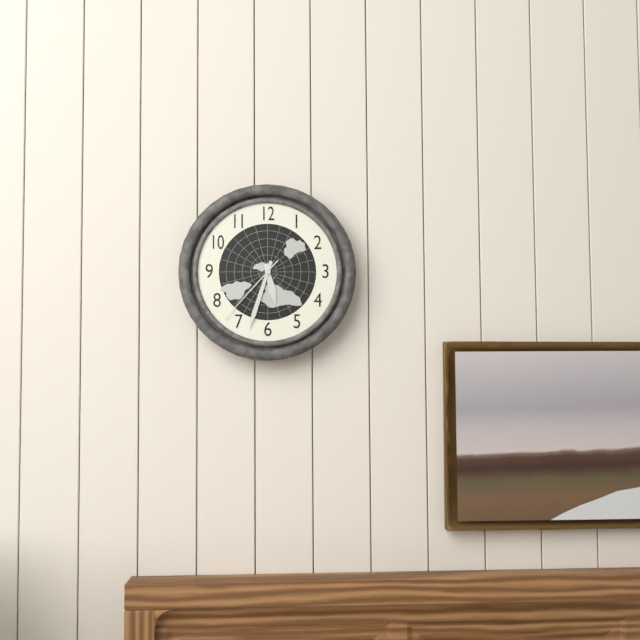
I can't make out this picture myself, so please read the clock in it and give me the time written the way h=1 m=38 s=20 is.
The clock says h=5 m=33 s=37
